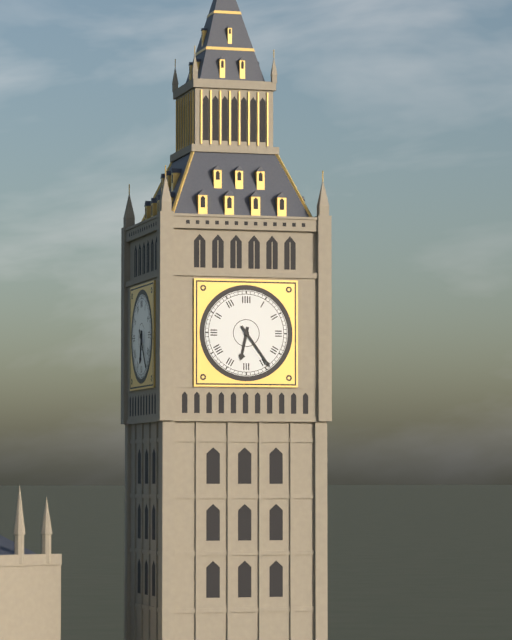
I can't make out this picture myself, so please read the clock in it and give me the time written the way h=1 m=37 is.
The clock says h=6 m=24
